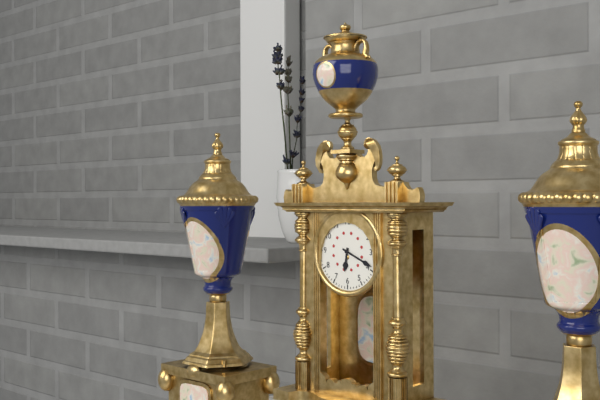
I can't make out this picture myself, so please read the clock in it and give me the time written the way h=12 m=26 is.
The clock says h=6 m=19
